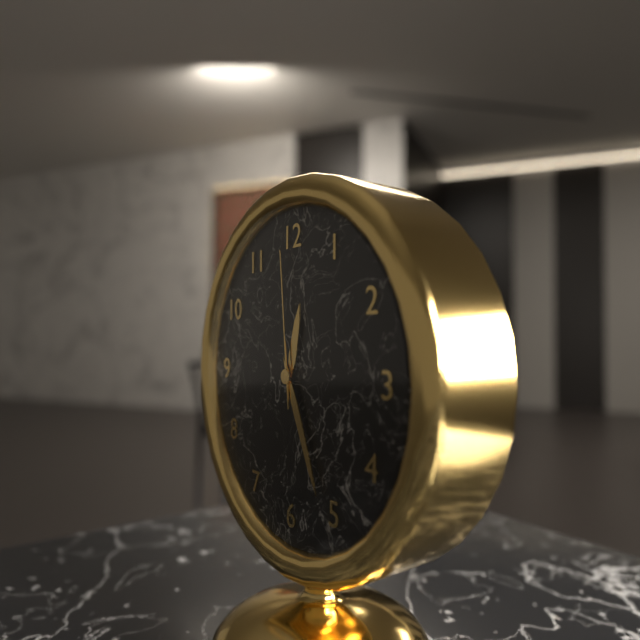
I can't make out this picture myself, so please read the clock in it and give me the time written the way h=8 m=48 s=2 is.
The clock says h=12 m=26 s=59
